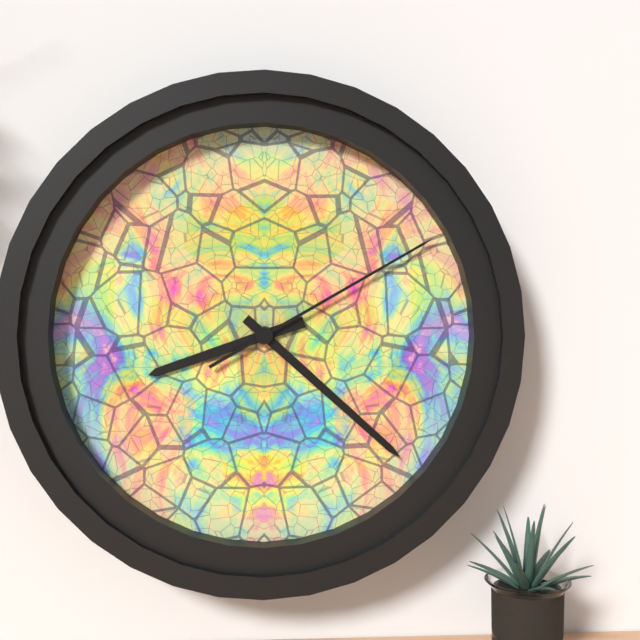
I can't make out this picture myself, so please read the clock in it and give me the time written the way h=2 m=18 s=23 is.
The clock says h=8 m=22 s=10
